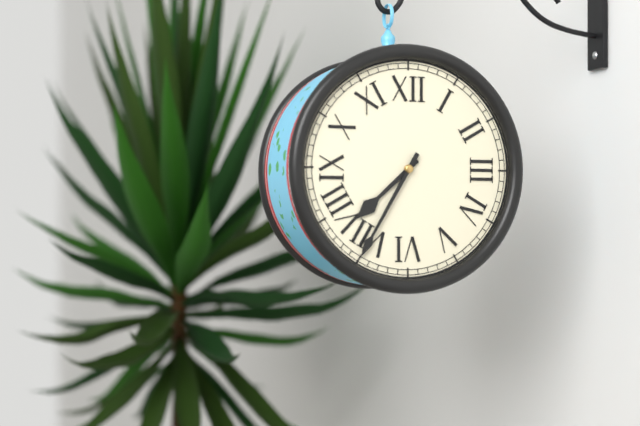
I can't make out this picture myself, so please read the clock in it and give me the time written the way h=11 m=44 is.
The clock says h=7 m=35
